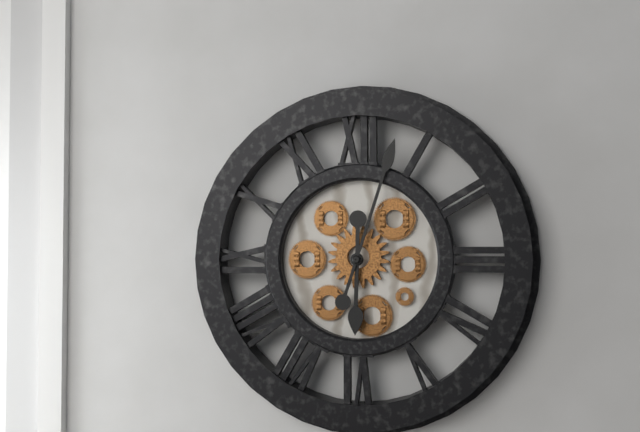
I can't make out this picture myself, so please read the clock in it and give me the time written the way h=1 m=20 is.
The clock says h=6 m=3
